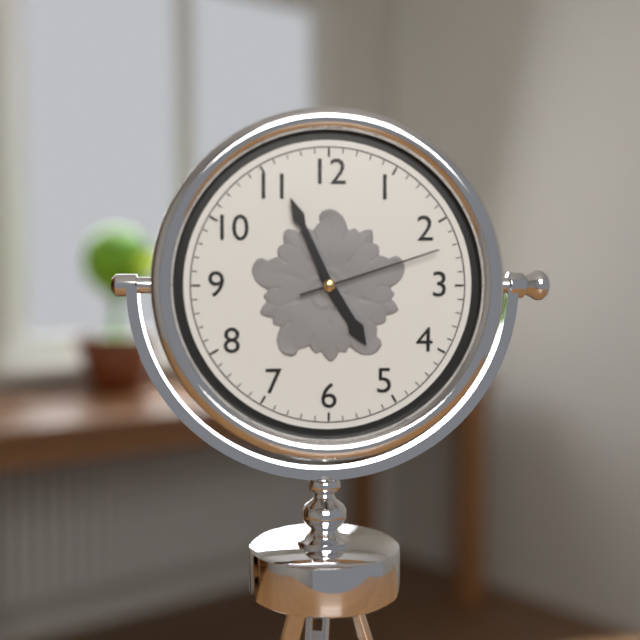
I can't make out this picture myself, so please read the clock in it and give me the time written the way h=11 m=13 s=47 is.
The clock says h=4 m=56 s=12
